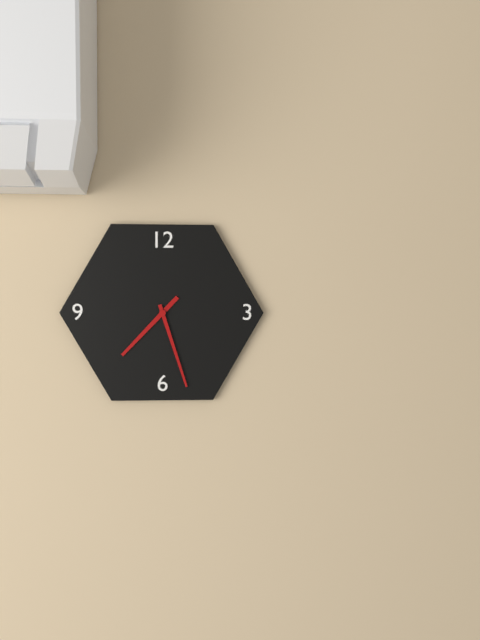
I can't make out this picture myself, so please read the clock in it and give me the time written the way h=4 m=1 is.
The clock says h=7 m=27
